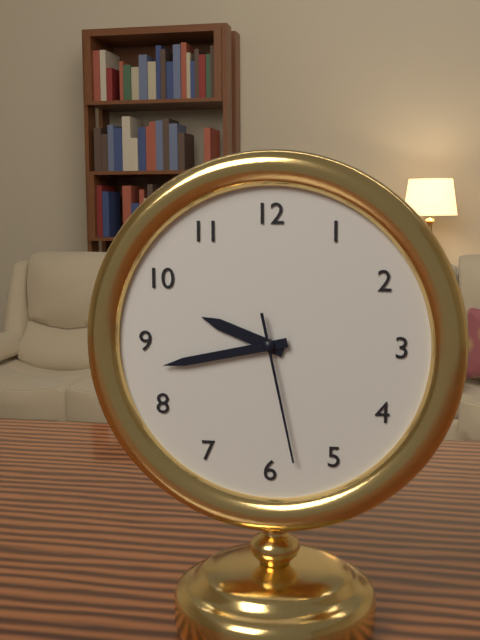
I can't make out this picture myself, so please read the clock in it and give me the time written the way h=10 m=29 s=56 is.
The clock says h=9 m=43 s=28
